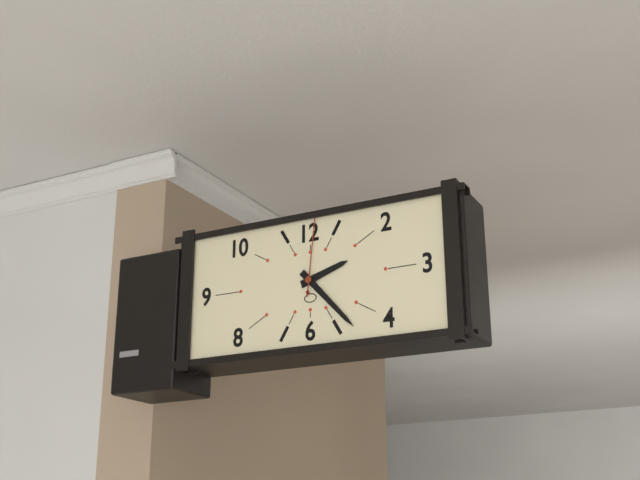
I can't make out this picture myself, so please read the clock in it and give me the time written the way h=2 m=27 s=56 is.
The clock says h=2 m=23 s=1
